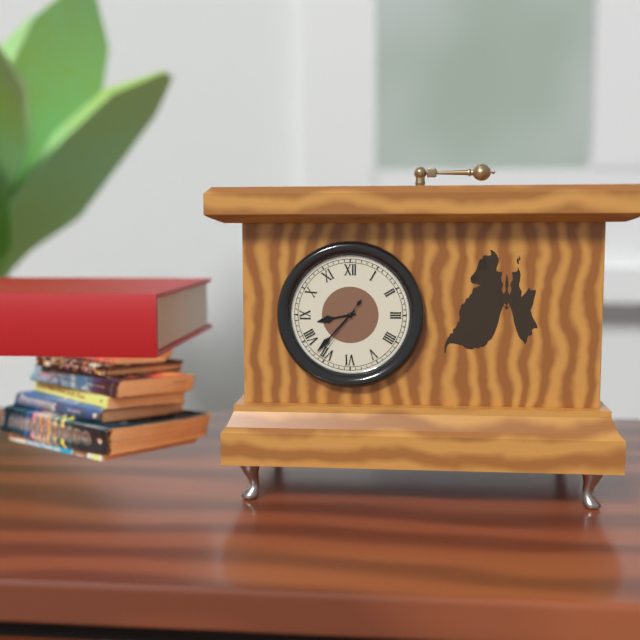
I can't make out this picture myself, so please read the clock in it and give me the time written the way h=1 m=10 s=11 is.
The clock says h=8 m=37 s=36
